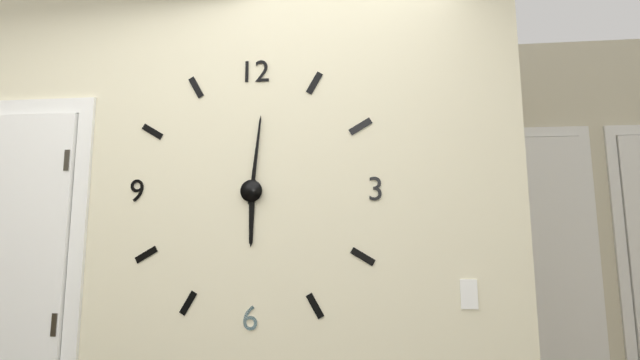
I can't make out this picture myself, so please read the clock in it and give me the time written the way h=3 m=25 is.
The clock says h=6 m=1
